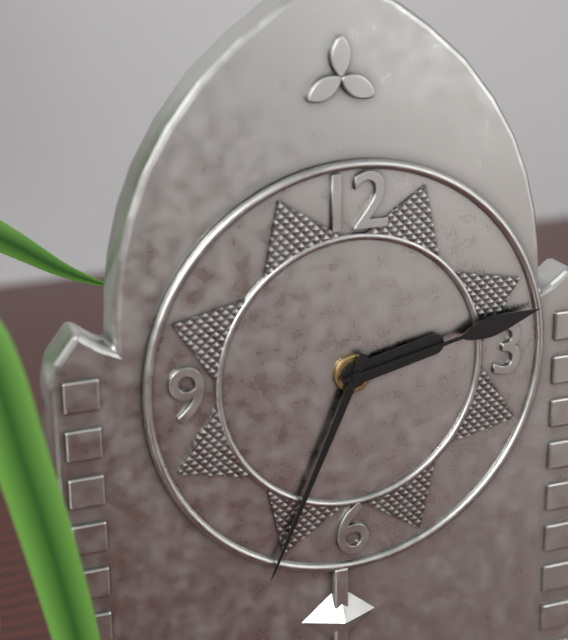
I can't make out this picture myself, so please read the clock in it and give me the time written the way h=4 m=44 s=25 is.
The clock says h=2 m=34 s=13
